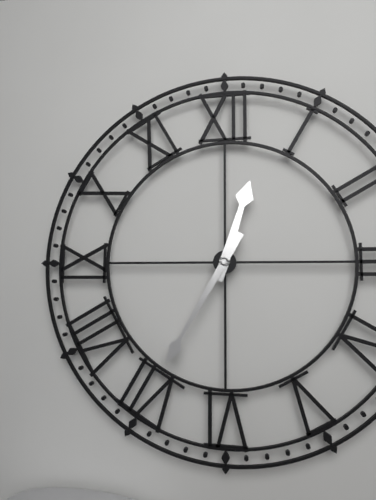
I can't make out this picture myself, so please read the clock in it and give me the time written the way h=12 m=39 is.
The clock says h=12 m=35
